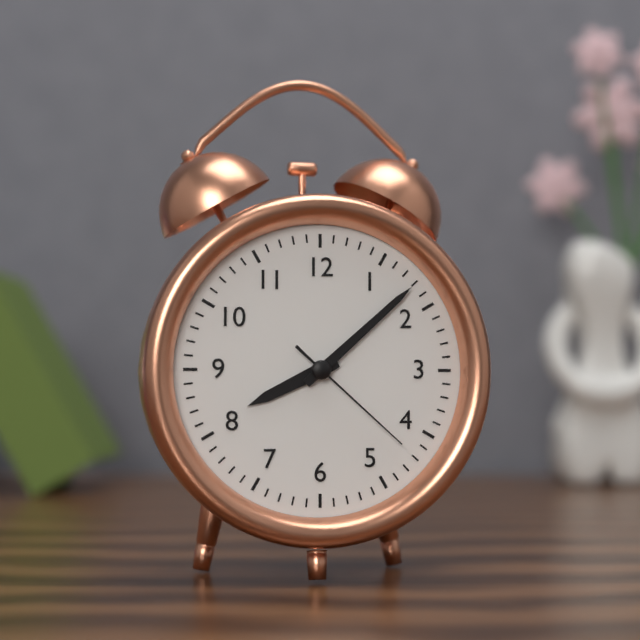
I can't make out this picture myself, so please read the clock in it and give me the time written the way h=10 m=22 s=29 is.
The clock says h=8 m=8 s=22
